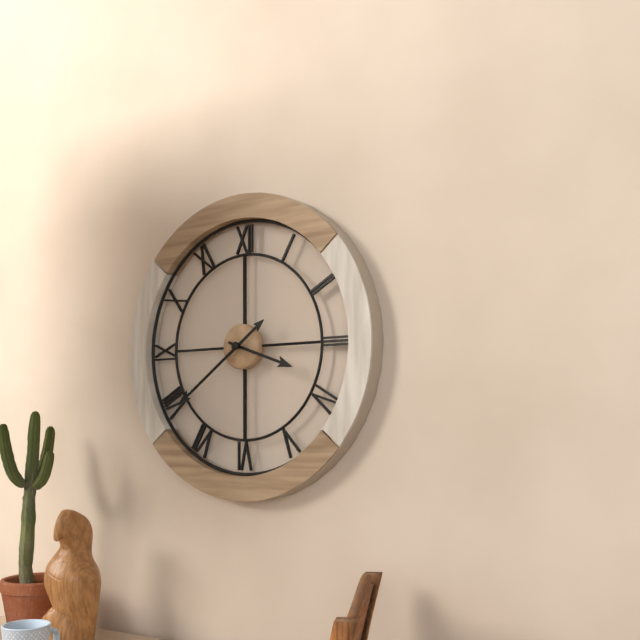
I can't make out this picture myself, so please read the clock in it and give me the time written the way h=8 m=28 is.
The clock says h=3 m=39
